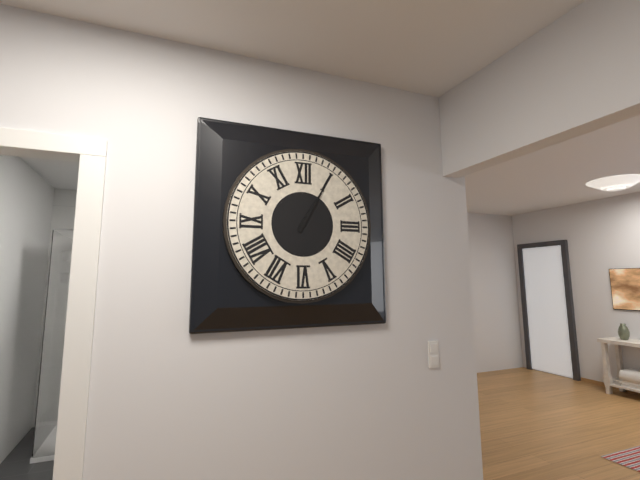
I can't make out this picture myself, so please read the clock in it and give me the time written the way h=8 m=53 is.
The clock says h=1 m=5
